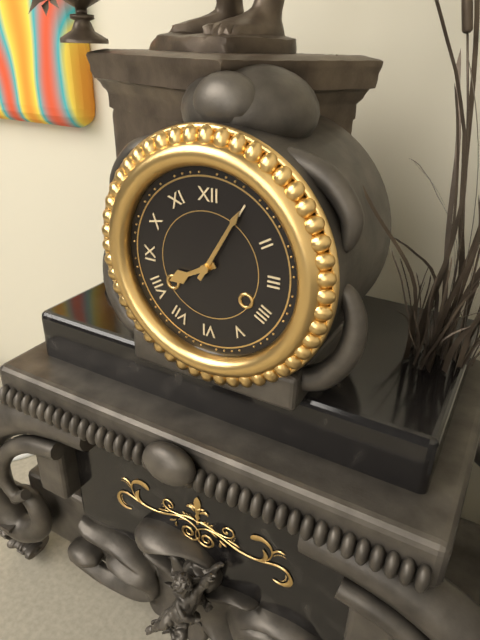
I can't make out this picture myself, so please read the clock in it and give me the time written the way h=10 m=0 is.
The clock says h=8 m=5
